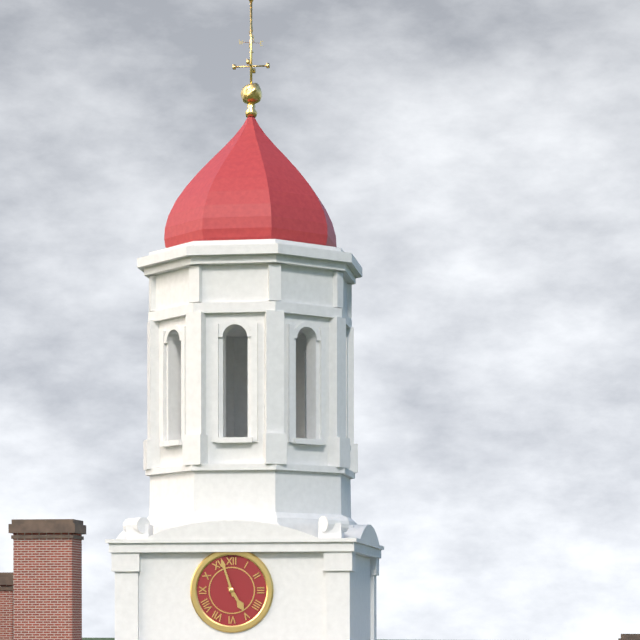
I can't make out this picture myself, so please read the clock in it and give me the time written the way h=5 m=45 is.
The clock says h=4 m=57
